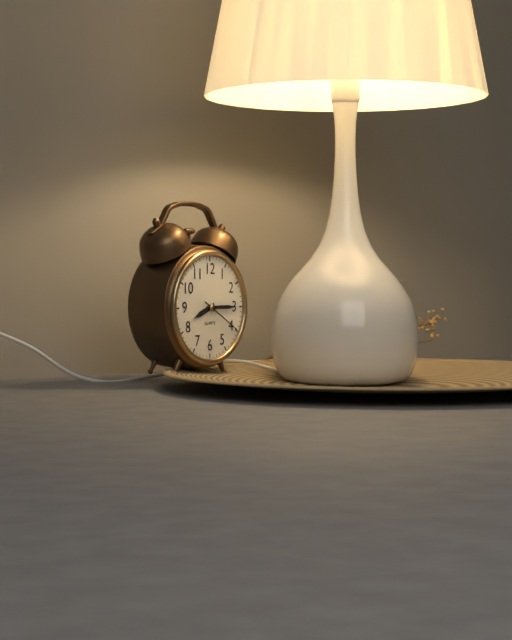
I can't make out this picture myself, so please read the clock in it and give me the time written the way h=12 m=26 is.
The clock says h=8 m=15
